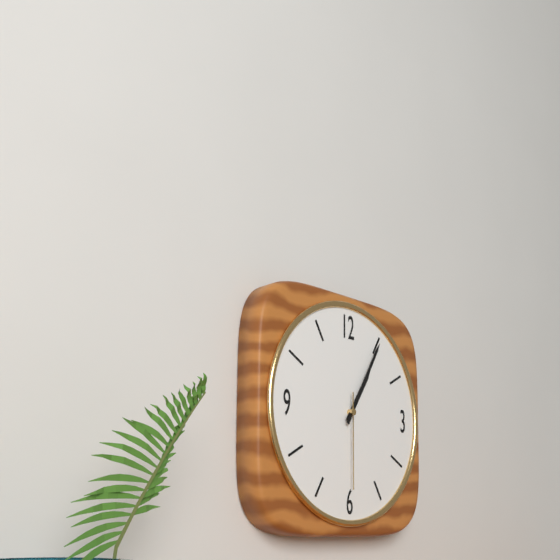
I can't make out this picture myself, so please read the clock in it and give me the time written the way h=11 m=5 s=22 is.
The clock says h=1 m=5 s=30
